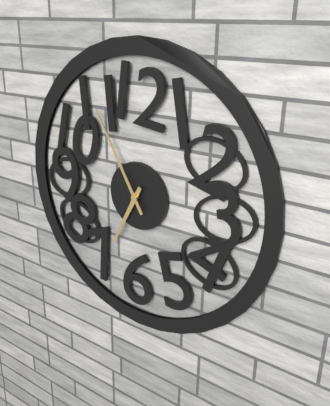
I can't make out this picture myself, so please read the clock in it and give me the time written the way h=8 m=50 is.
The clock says h=6 m=55
